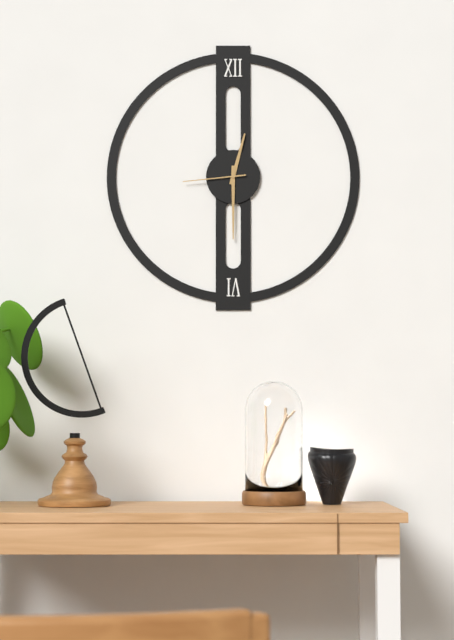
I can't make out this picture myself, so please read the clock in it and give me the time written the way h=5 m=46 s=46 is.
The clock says h=12 m=30 s=44
